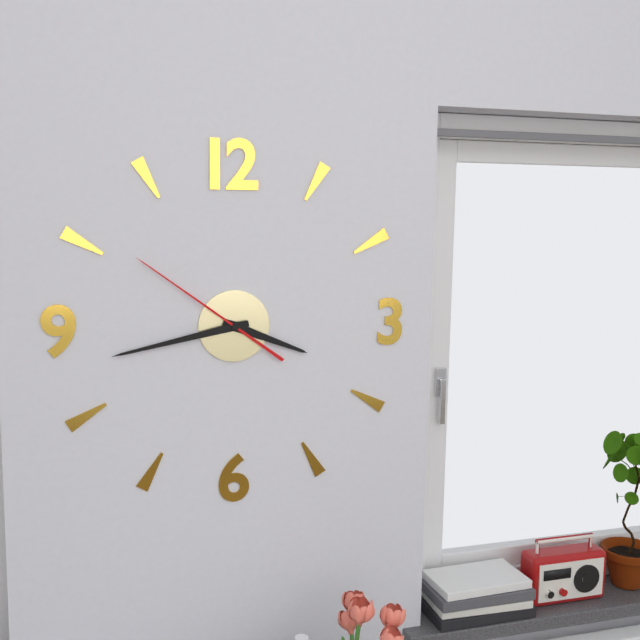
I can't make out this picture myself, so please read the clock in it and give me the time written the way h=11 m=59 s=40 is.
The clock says h=3 m=43 s=51
